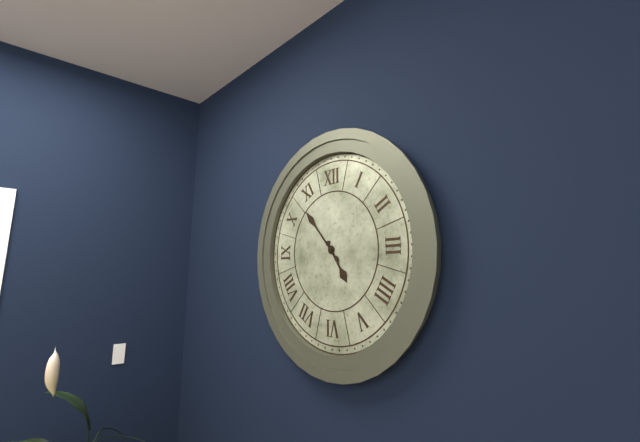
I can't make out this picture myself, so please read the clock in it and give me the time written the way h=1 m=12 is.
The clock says h=4 m=53
